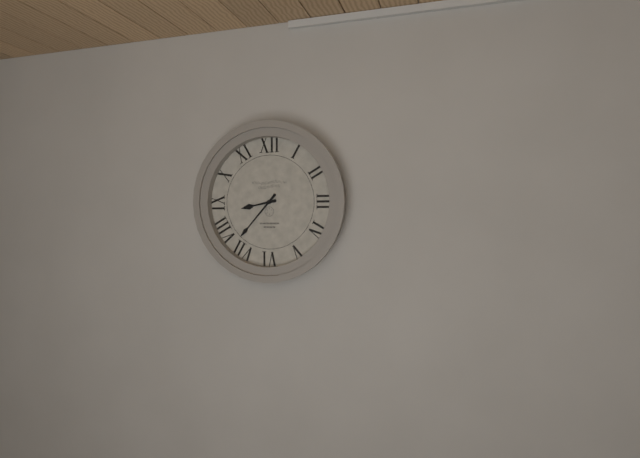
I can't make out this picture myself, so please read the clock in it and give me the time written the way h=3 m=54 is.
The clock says h=8 m=37
